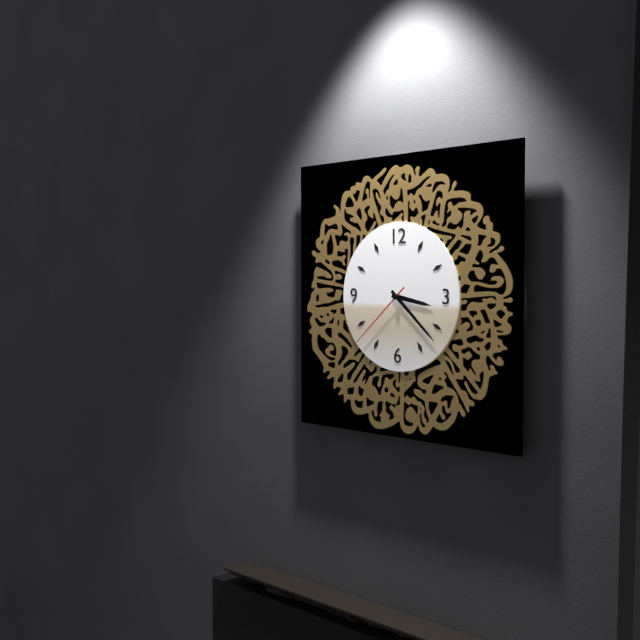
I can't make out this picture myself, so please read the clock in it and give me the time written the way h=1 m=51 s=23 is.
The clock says h=3 m=22 s=38
